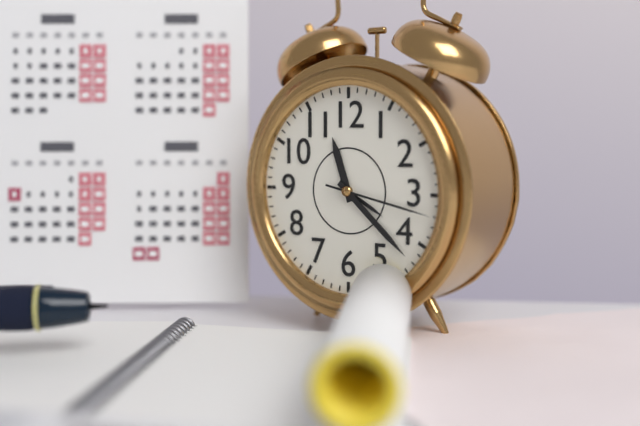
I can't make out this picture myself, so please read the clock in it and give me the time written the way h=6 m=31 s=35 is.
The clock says h=11 m=22 s=17
